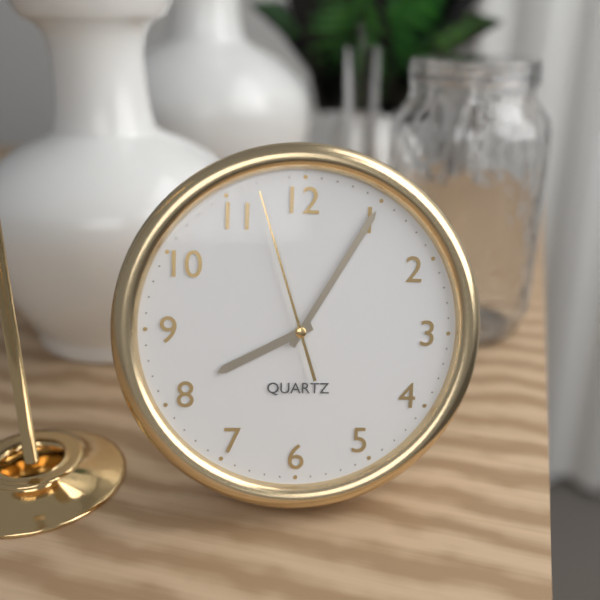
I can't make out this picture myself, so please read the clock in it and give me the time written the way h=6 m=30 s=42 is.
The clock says h=8 m=5 s=57
